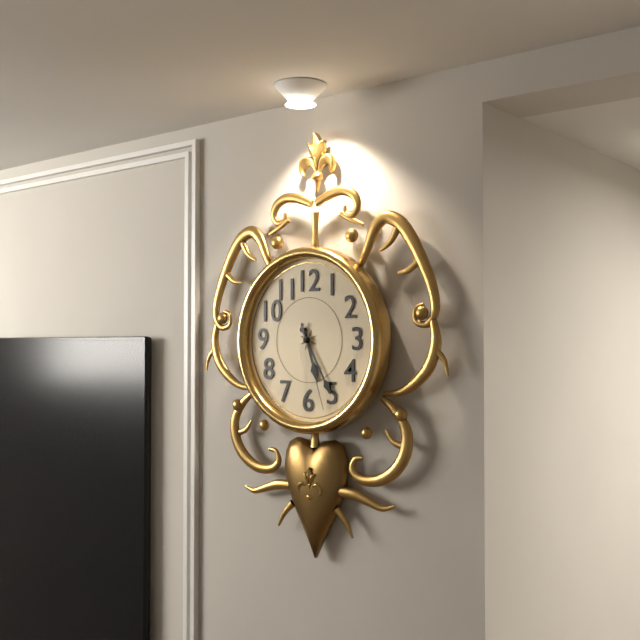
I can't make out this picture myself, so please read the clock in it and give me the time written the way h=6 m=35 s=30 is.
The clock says h=5 m=25 s=27
